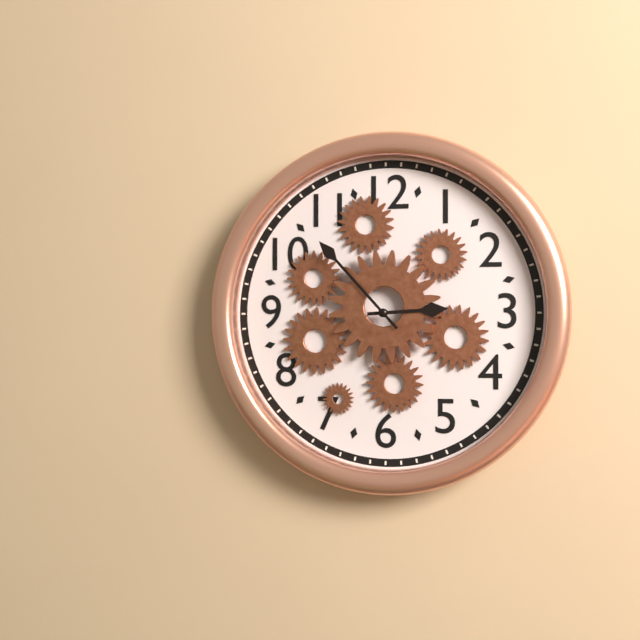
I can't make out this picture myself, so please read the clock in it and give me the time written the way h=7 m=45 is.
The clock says h=2 m=53
